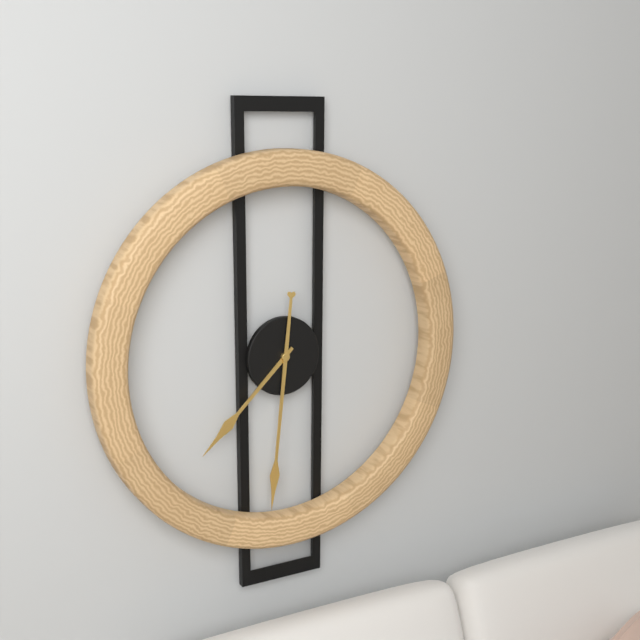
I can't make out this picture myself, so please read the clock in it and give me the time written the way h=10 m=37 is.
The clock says h=7 m=31
